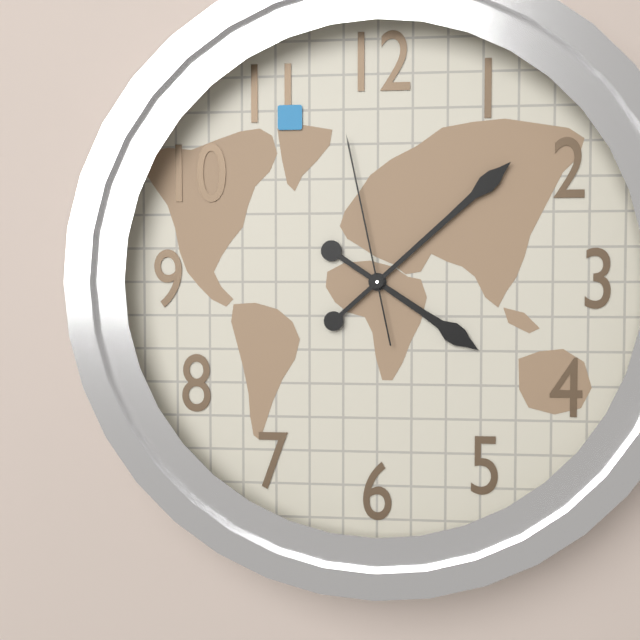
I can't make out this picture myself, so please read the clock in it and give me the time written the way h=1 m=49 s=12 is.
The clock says h=4 m=8 s=58
